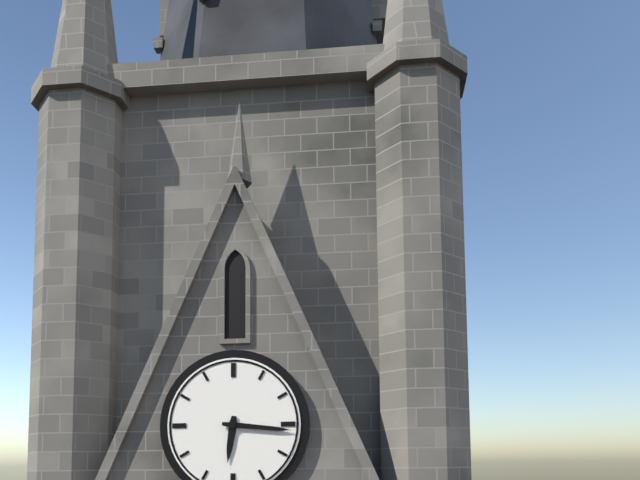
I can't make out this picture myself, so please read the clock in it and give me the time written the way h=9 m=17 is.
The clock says h=6 m=16
